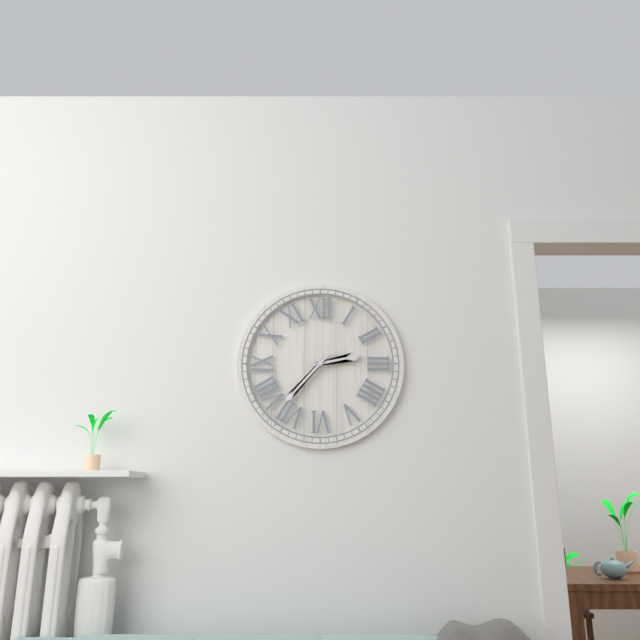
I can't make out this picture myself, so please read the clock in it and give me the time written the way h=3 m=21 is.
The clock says h=2 m=37
